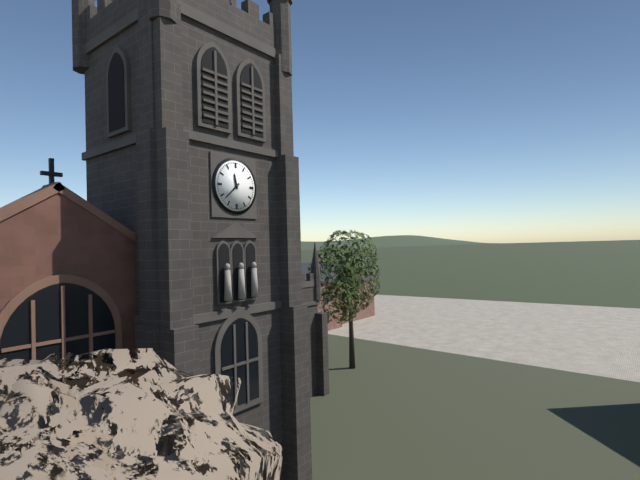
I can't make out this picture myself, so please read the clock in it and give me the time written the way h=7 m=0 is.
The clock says h=11 m=38
